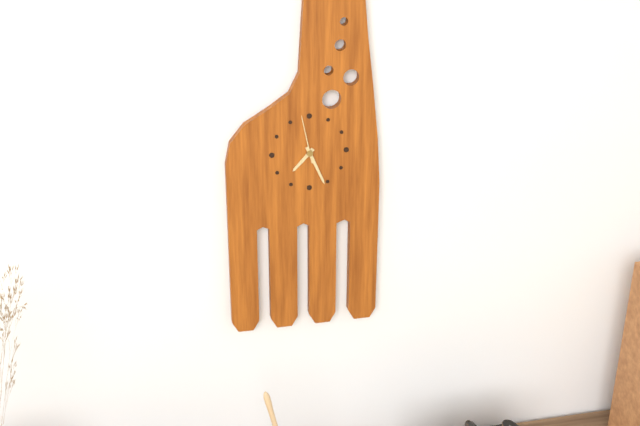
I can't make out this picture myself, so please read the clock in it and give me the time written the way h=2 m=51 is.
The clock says h=7 m=26
